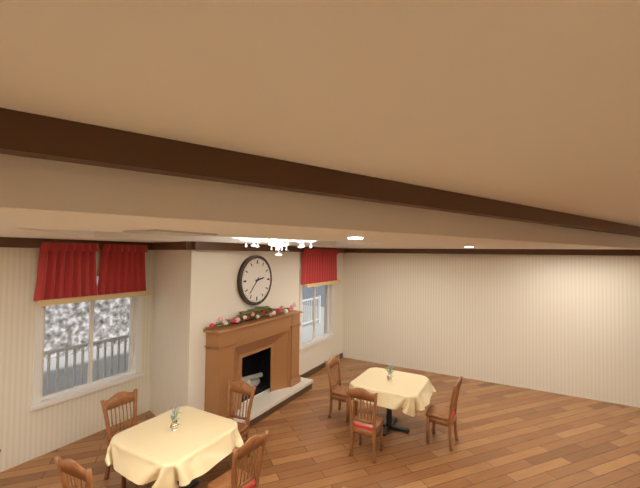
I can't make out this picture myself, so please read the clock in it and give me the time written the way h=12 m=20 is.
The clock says h=2 m=37
